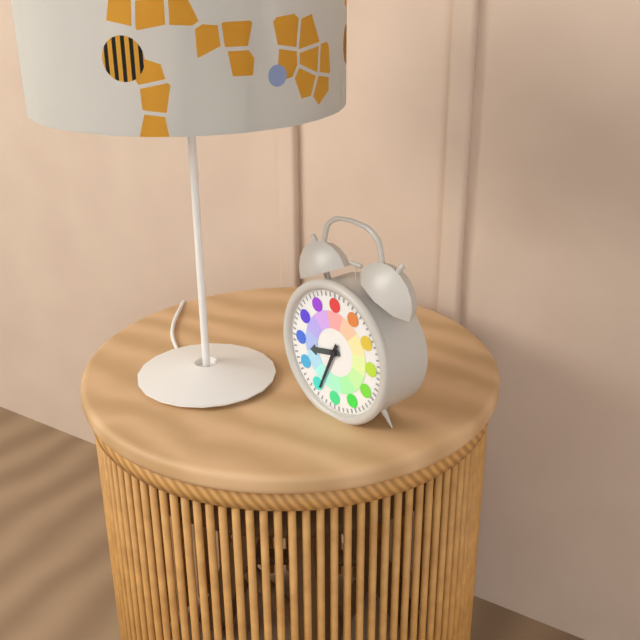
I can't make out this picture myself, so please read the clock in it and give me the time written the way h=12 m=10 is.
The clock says h=8 m=34
